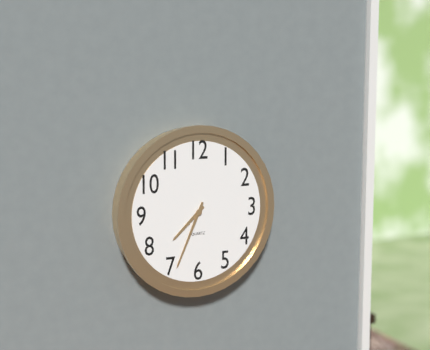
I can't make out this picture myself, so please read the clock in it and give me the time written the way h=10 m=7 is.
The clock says h=7 m=34
